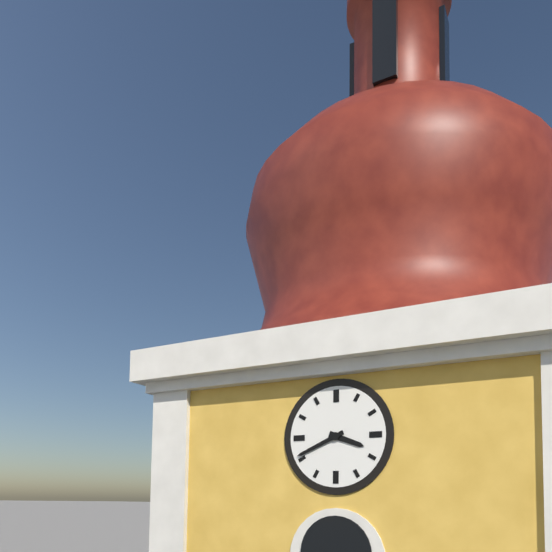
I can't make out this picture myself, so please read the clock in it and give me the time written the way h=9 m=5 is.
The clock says h=3 m=41
